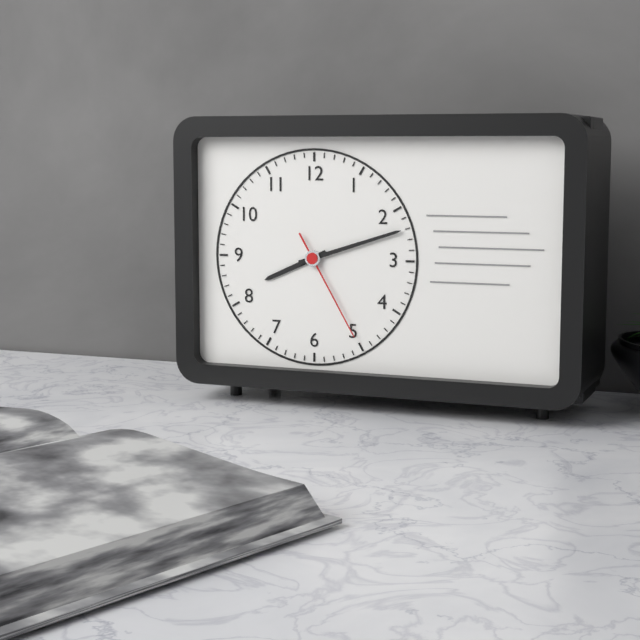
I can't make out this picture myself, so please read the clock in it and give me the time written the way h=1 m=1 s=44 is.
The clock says h=8 m=12 s=25
